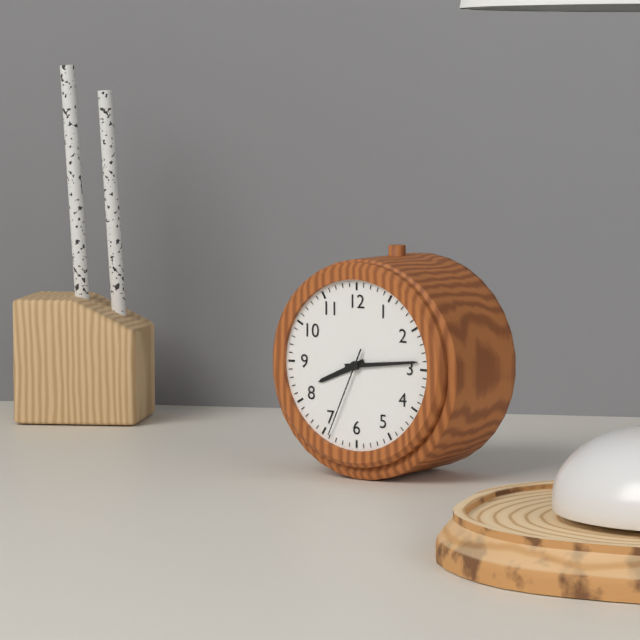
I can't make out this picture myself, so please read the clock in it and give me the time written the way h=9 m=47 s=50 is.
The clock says h=8 m=14 s=34
